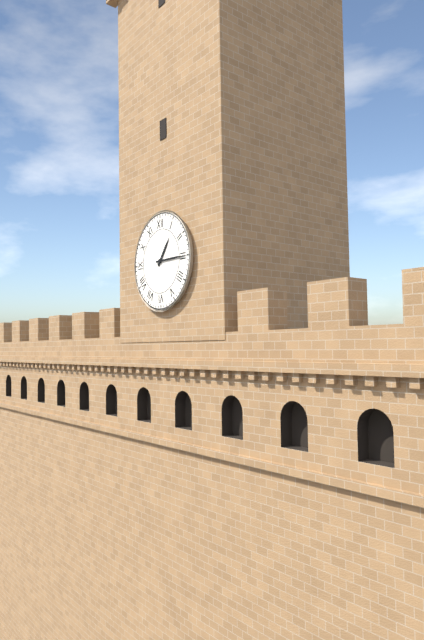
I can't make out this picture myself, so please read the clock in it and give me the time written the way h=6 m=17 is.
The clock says h=1 m=15
